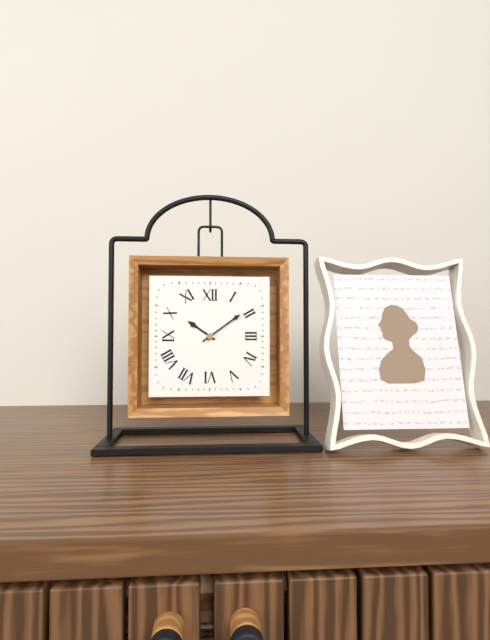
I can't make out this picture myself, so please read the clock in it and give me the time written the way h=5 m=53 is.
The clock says h=10 m=9
